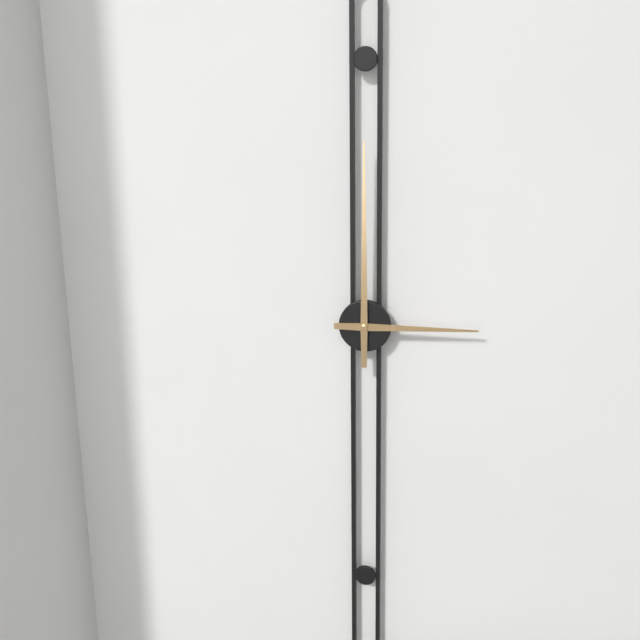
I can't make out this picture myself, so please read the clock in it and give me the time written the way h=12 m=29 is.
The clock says h=3 m=0
